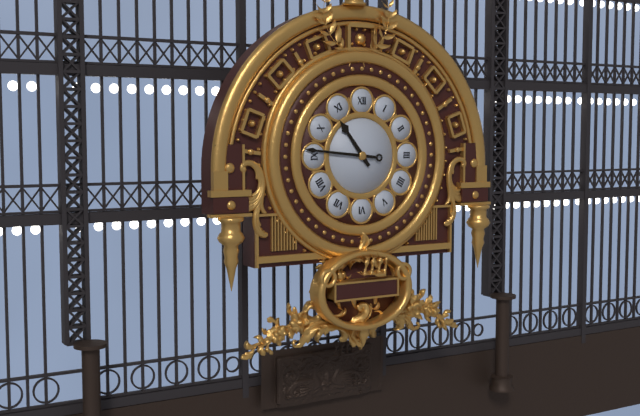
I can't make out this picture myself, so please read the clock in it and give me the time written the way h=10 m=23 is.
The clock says h=10 m=46
